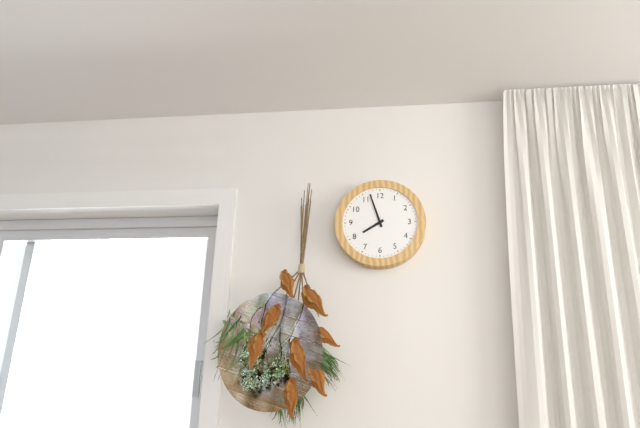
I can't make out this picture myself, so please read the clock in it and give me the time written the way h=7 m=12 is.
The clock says h=7 m=57
